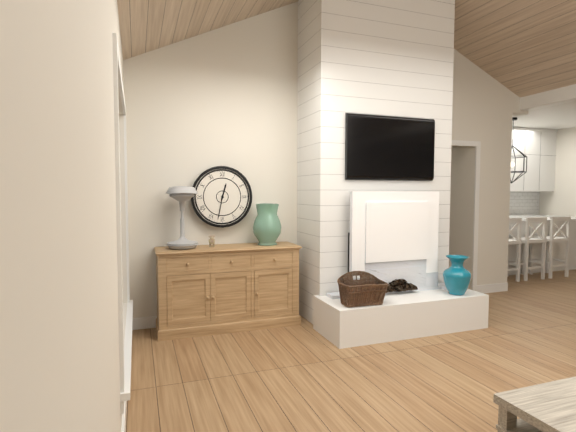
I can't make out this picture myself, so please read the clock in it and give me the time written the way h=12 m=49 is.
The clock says h=12 m=32
